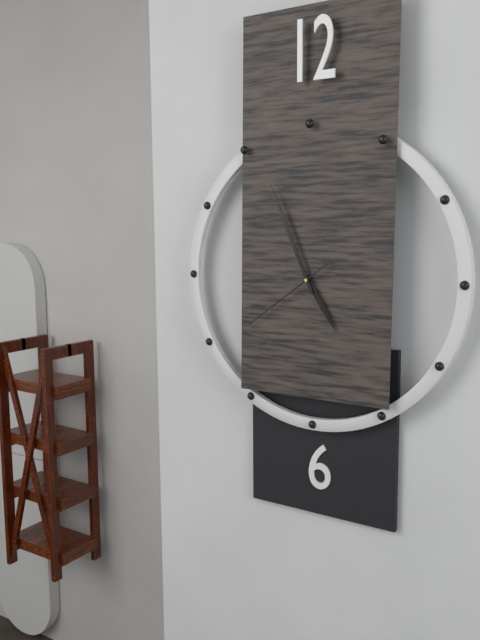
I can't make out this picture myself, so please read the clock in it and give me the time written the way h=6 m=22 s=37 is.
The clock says h=4 m=56 s=39
